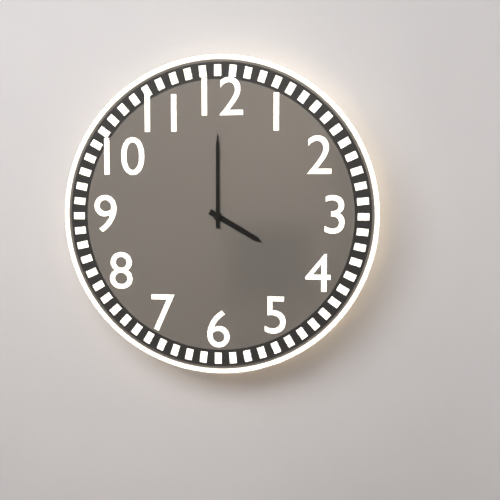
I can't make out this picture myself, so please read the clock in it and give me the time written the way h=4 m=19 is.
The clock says h=4 m=0
